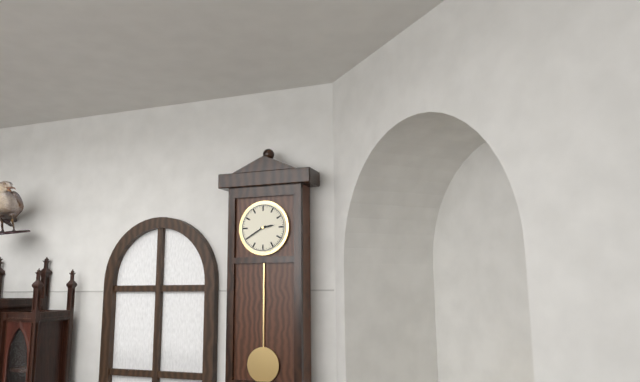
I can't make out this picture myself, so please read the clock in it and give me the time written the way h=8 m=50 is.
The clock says h=2 m=40
